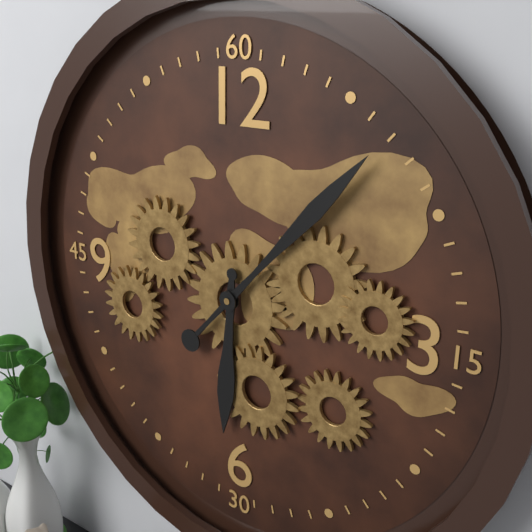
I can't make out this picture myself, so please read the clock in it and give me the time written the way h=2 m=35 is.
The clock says h=6 m=7
